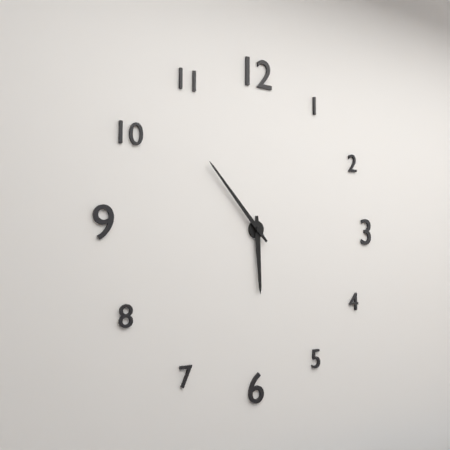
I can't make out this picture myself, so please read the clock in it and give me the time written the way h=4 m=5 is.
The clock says h=5 m=53
